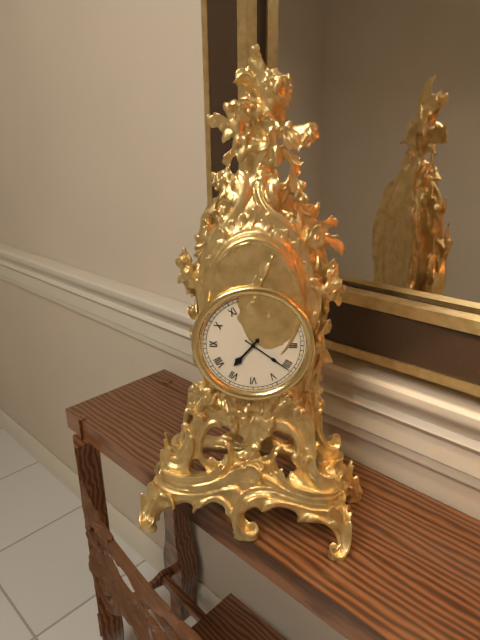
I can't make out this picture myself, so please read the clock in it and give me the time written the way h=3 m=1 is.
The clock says h=7 m=21
